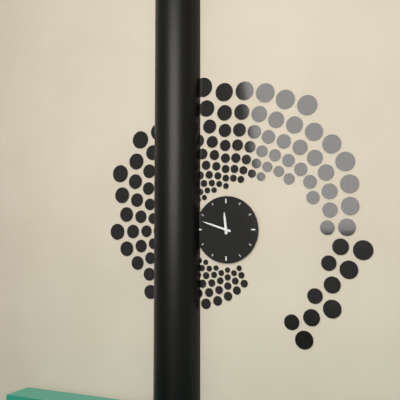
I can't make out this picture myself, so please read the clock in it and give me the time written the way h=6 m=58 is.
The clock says h=11 m=48
